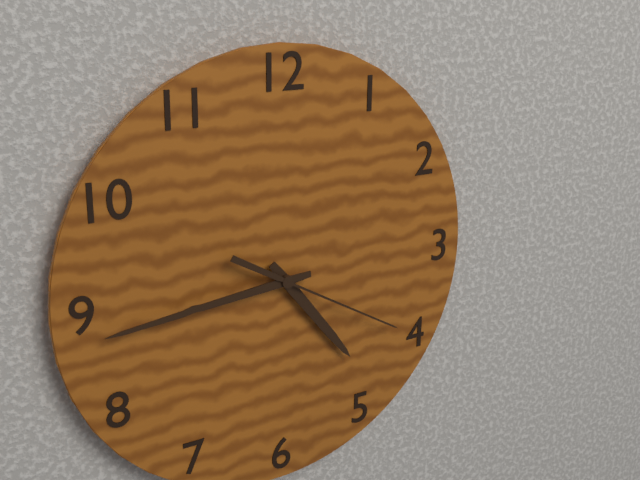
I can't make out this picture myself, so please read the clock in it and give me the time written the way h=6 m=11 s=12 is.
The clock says h=4 m=44 s=20
